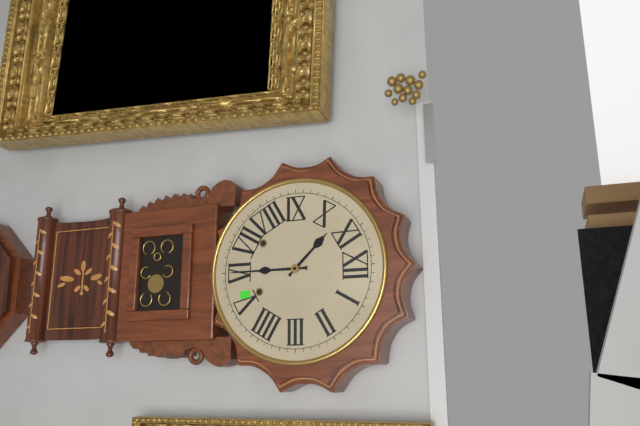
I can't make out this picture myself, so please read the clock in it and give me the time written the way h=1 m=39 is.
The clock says h=10 m=30
